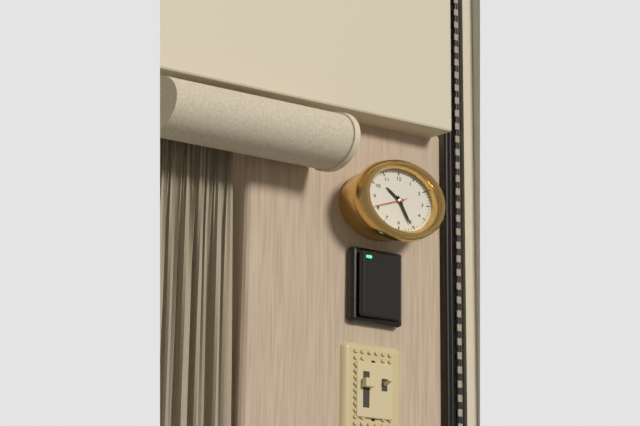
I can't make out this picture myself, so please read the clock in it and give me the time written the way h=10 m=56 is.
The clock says h=10 m=26
